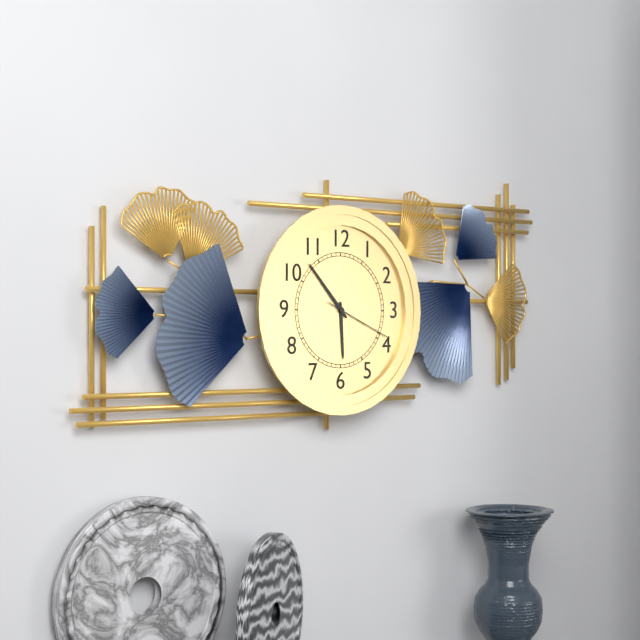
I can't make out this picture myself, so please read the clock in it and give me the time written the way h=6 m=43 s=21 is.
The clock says h=5 m=53 s=19
